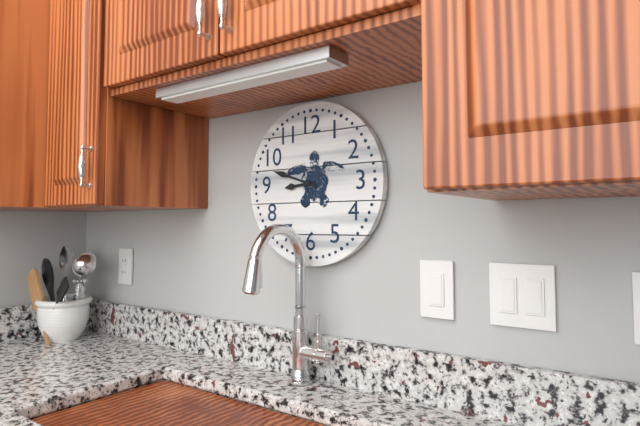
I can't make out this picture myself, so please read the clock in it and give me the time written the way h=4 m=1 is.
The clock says h=8 m=48
